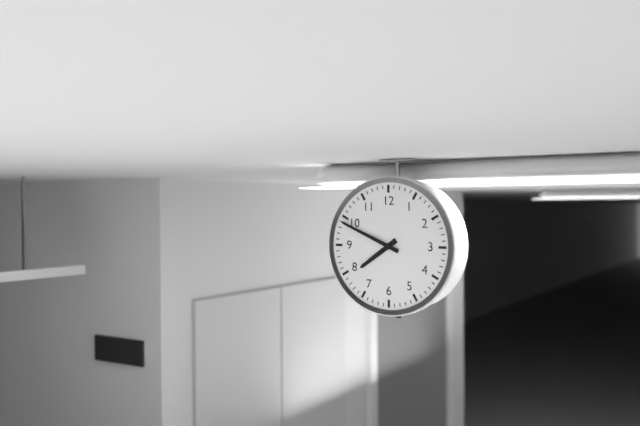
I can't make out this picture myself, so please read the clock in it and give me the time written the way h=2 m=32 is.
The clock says h=7 m=49
